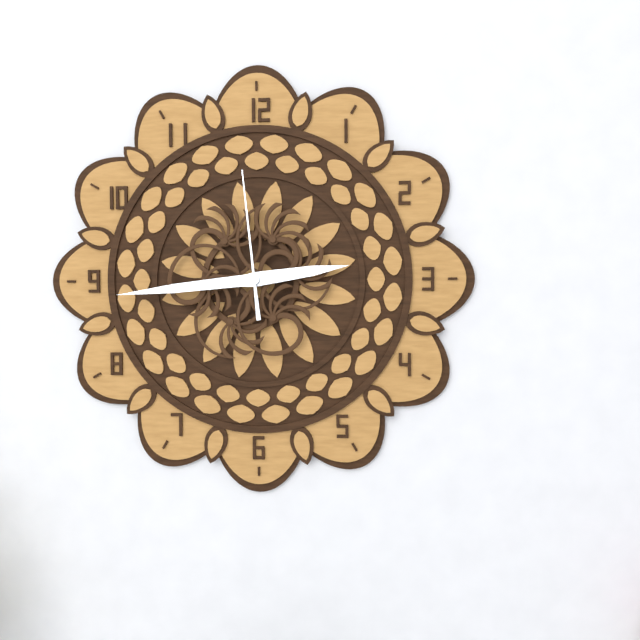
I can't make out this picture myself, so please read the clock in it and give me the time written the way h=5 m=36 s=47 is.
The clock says h=2 m=44 s=59
